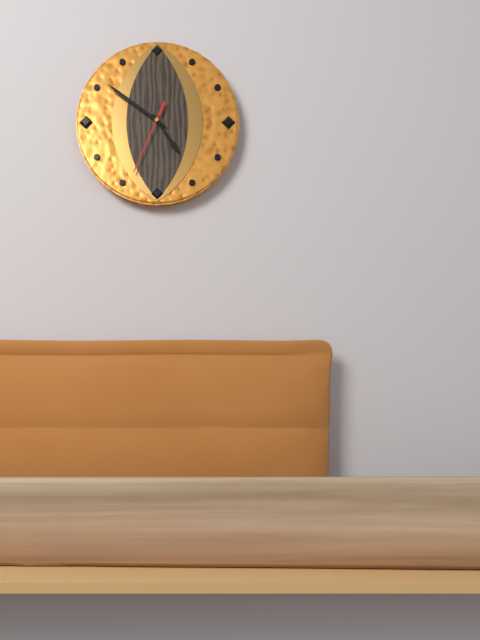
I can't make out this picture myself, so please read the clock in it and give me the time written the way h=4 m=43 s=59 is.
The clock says h=4 m=51 s=34
